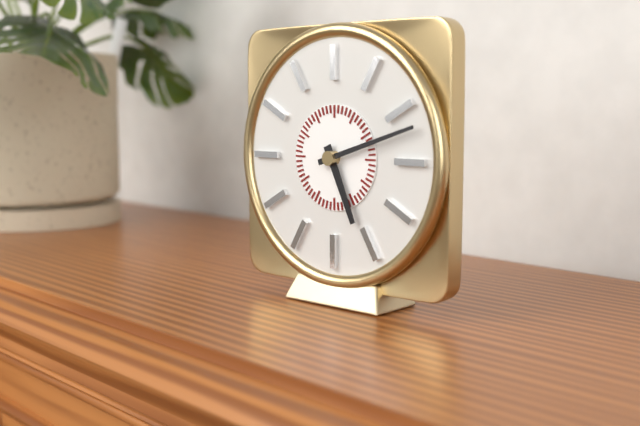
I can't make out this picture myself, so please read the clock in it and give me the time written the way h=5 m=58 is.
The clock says h=5 m=12
